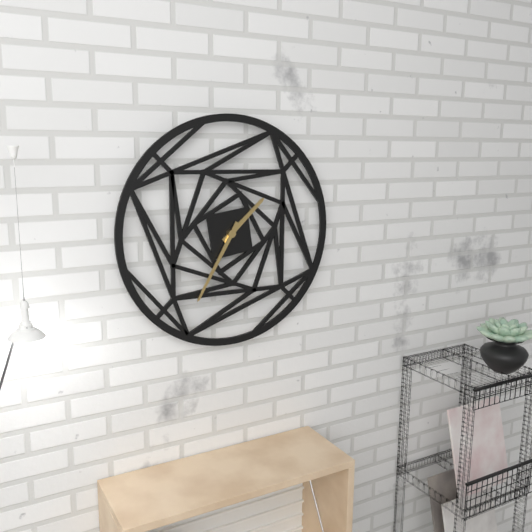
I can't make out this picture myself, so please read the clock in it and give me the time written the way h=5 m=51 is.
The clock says h=1 m=35
